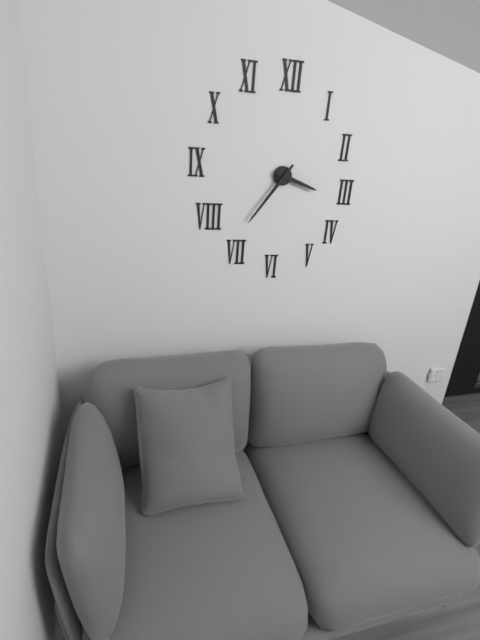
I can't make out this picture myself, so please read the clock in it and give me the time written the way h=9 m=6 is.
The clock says h=3 m=36
